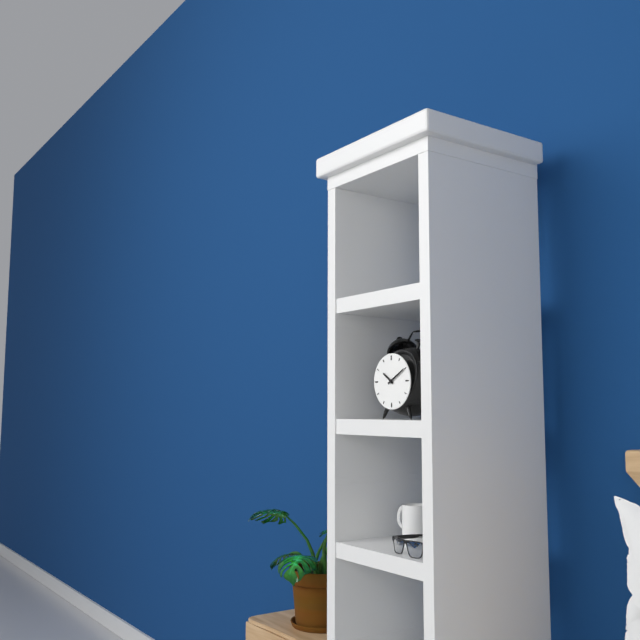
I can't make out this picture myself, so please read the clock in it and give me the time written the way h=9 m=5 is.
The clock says h=10 m=10
